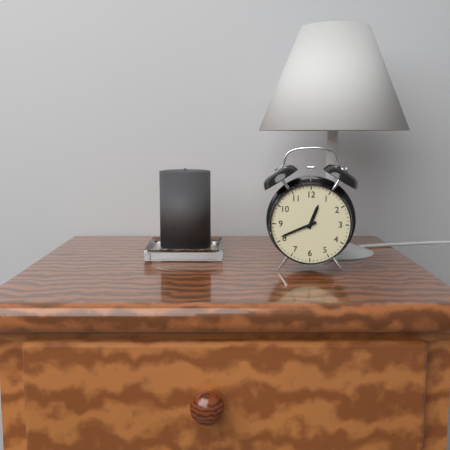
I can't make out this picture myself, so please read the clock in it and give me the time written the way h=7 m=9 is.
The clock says h=12 m=41
